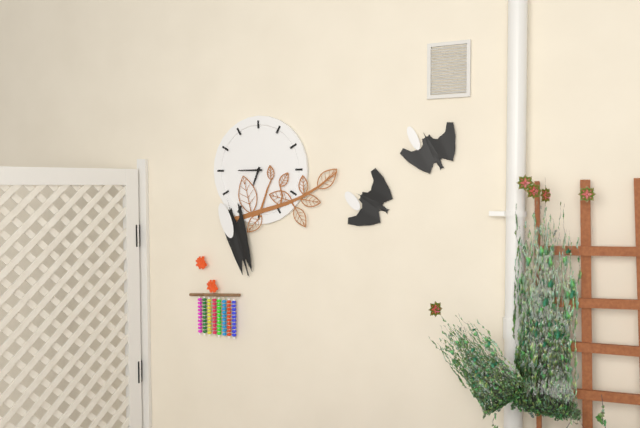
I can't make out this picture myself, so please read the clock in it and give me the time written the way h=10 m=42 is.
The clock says h=6 m=45
